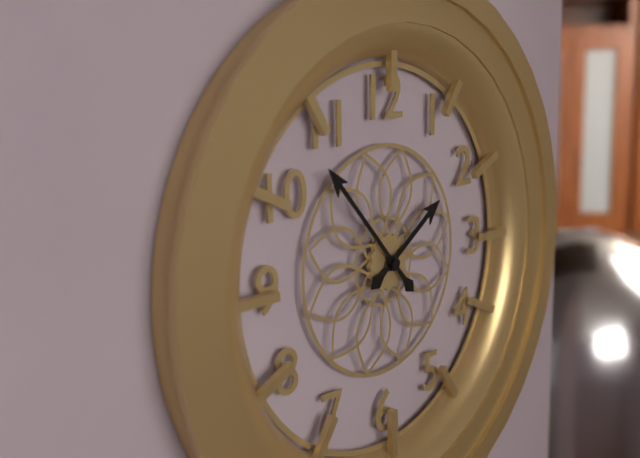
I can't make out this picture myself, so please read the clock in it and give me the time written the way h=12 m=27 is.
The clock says h=1 m=53
